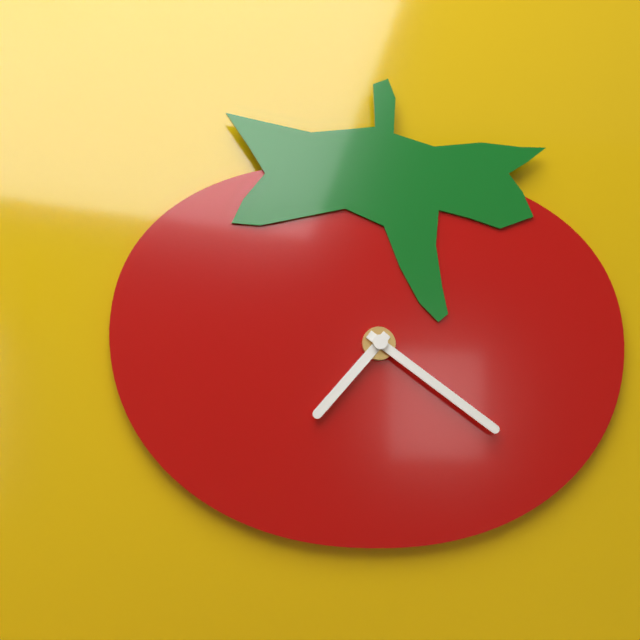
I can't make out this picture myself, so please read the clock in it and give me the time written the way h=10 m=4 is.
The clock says h=7 m=21
